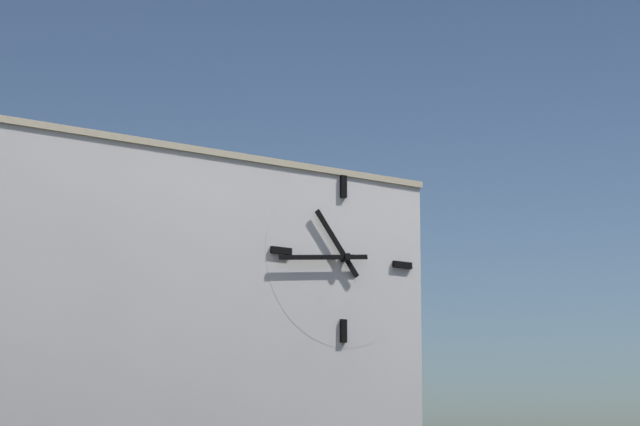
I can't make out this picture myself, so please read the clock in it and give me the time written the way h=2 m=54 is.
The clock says h=10 m=44
